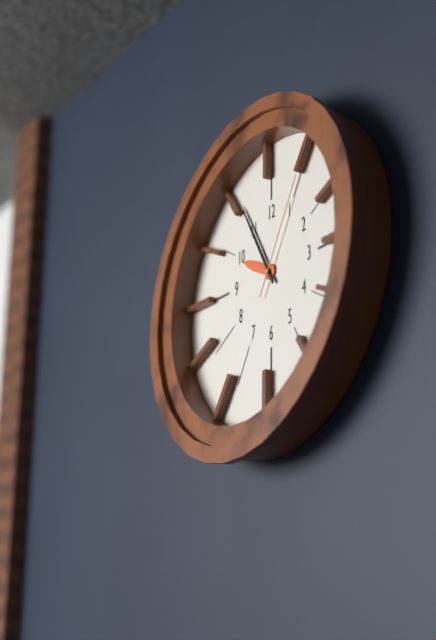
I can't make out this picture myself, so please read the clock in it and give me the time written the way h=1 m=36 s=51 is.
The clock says h=9 m=55 s=5
